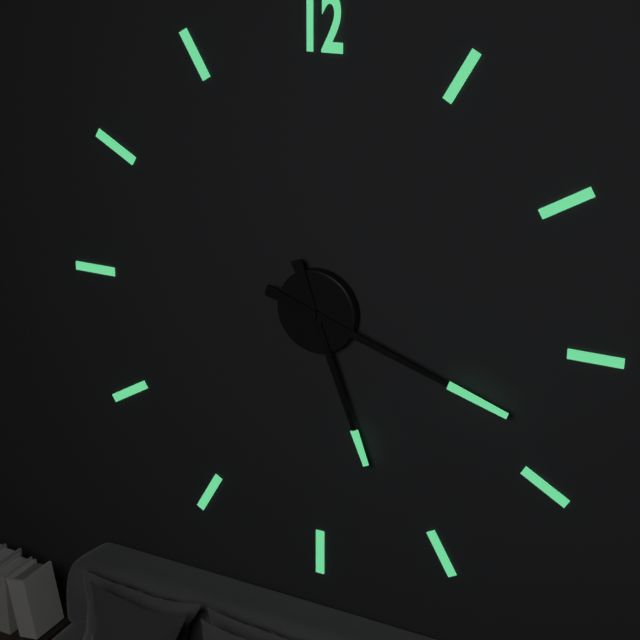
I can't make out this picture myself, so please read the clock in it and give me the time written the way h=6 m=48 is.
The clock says h=5 m=18
